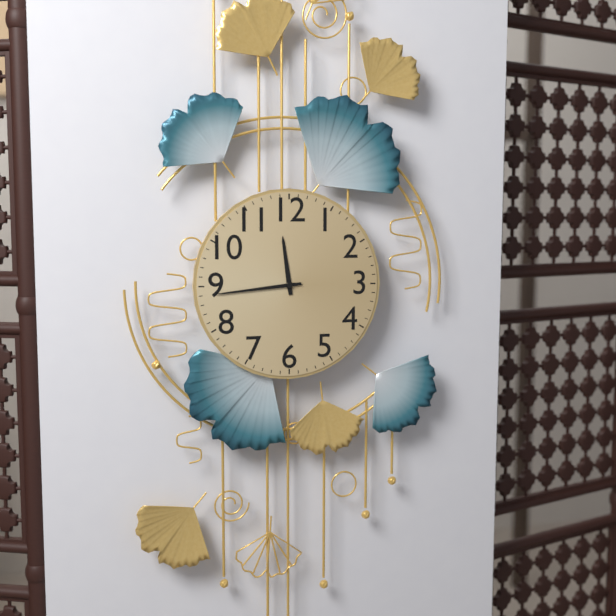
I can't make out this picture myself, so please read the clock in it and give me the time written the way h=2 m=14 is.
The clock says h=11 m=44
